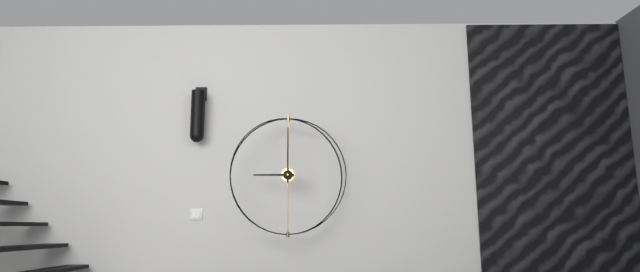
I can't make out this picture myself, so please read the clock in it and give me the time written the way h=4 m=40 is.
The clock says h=9 m=0
